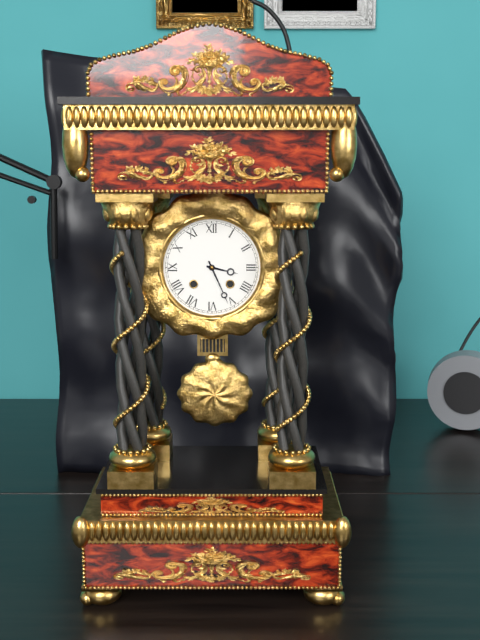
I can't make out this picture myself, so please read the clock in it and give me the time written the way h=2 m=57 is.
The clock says h=3 m=26
